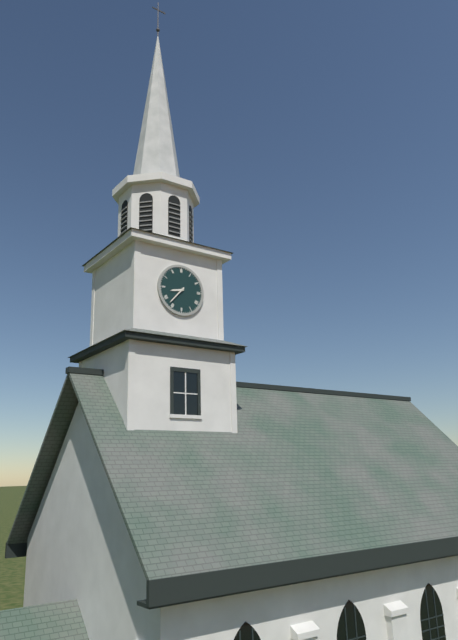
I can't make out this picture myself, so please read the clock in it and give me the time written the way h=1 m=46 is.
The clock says h=8 m=37
